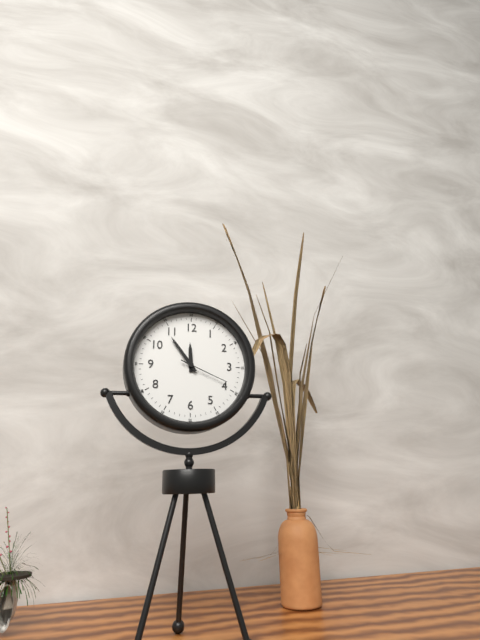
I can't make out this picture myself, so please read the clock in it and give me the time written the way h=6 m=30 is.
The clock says h=11 m=54
